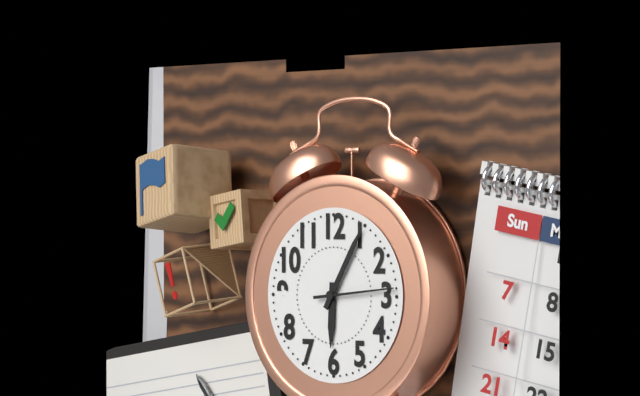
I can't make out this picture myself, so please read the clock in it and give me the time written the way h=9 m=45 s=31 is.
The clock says h=6 m=5 s=14
